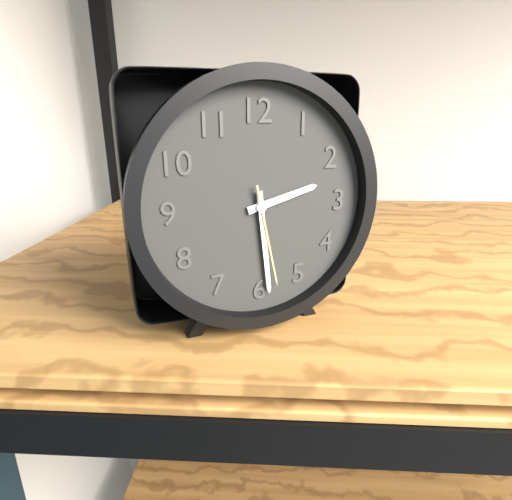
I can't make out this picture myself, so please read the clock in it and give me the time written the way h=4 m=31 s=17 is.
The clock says h=2 m=29 s=28
